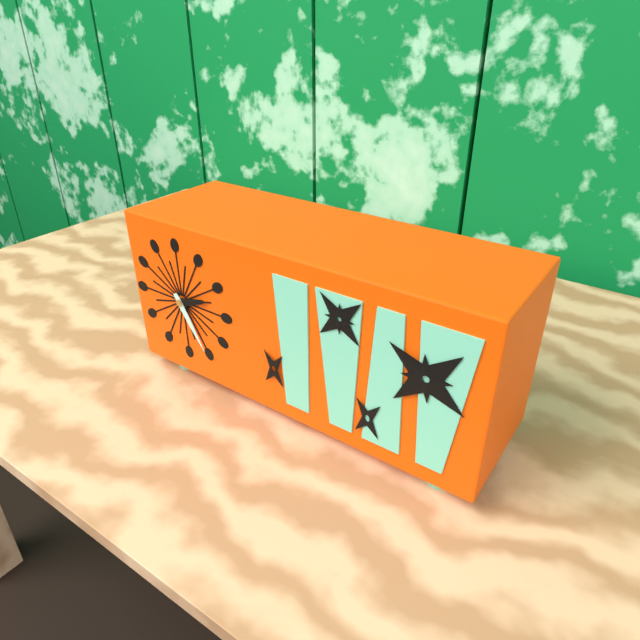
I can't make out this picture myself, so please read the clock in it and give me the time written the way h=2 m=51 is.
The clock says h=2 m=25
